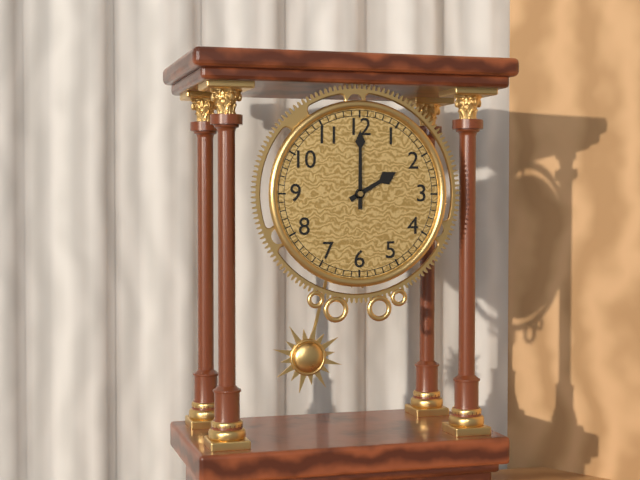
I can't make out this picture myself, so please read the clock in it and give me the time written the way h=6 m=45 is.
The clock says h=2 m=0
